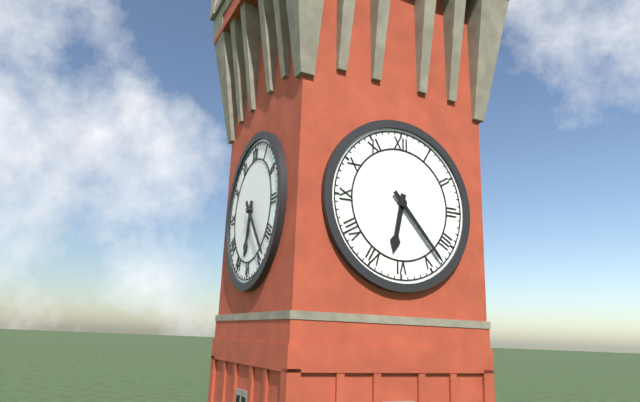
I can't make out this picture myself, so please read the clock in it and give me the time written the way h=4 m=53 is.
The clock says h=6 m=23
